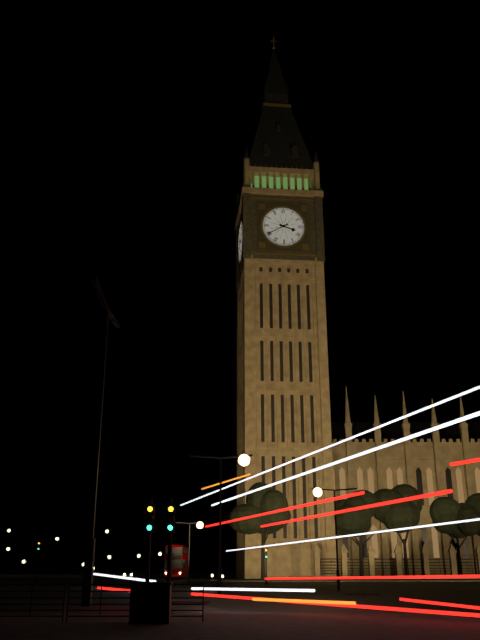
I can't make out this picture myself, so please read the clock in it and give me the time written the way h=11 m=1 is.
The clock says h=3 m=40
